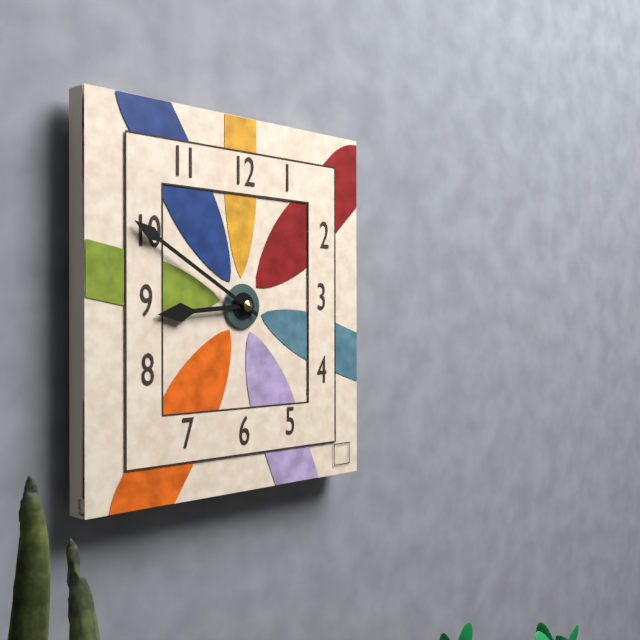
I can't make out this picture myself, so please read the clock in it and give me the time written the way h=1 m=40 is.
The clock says h=8 m=50
